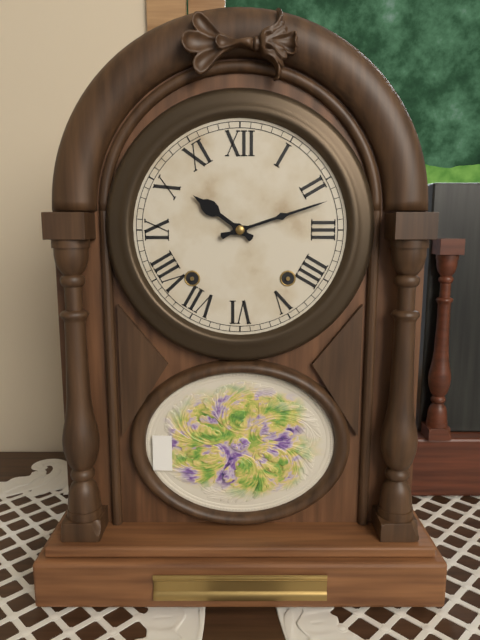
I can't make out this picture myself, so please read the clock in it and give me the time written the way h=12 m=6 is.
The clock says h=10 m=12
